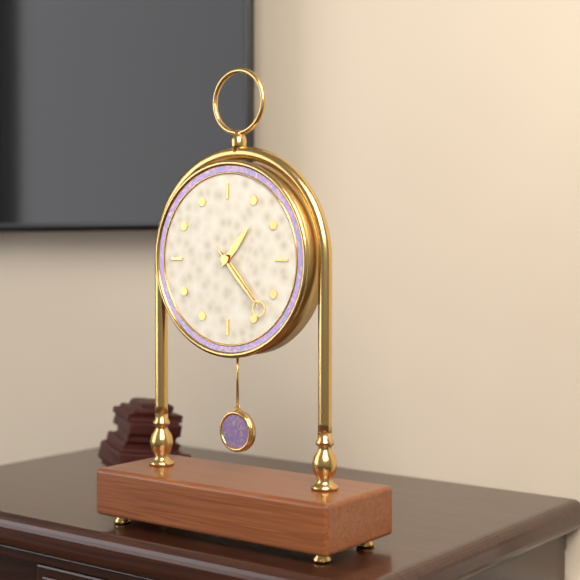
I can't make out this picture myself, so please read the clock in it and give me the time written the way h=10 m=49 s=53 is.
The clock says h=1 m=23 s=23
